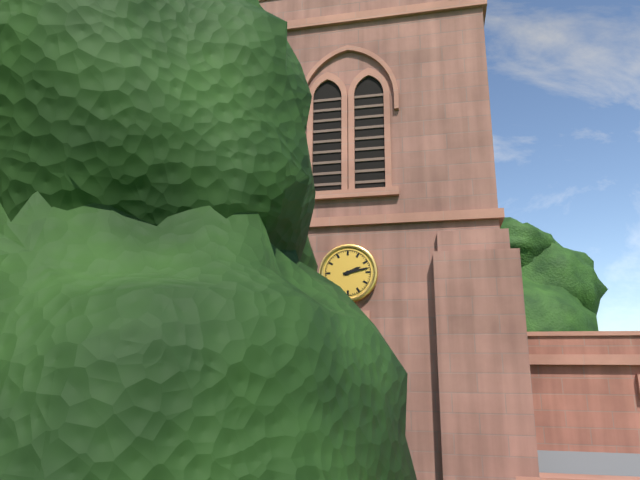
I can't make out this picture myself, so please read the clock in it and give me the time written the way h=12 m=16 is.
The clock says h=2 m=13
